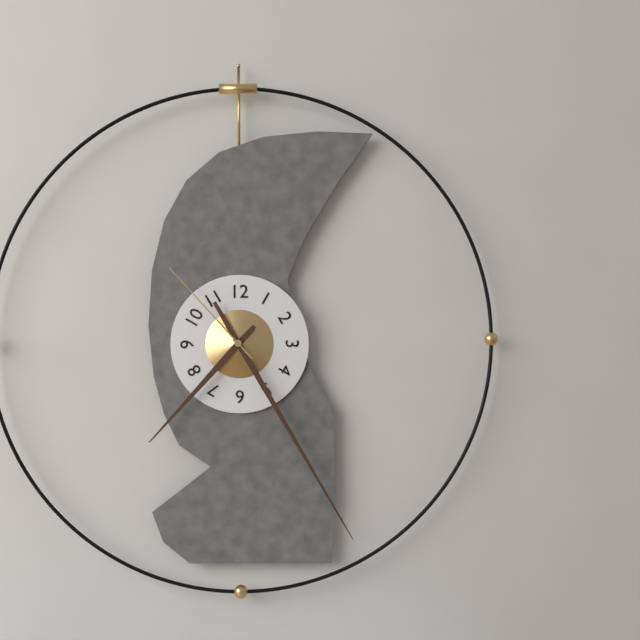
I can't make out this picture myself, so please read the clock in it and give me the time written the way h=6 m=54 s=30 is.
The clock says h=7 m=25 s=53
